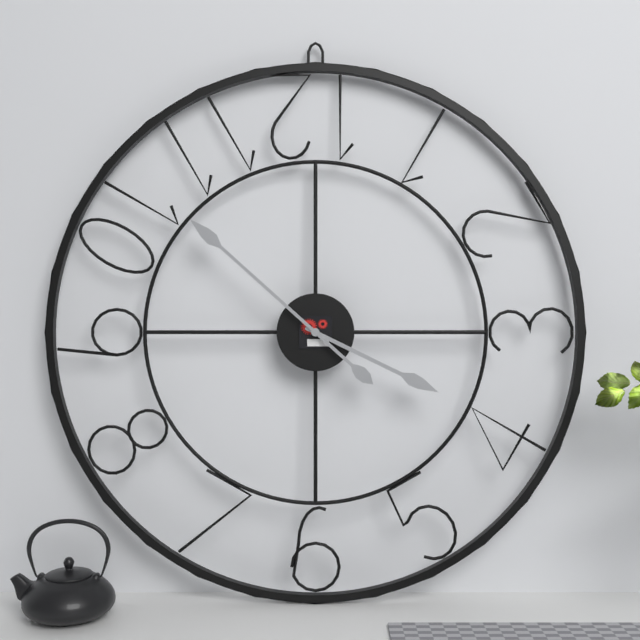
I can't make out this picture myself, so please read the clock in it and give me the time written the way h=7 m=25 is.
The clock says h=3 m=52
